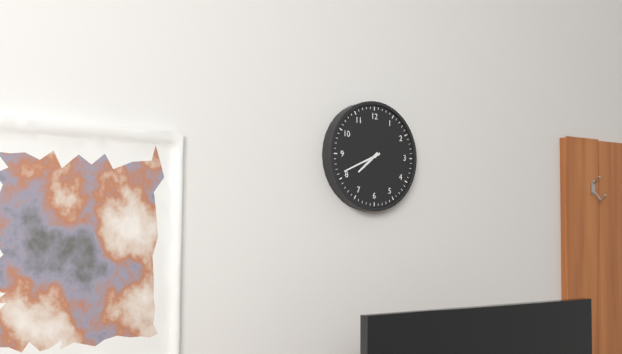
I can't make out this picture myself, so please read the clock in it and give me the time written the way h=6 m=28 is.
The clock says h=7 m=41
